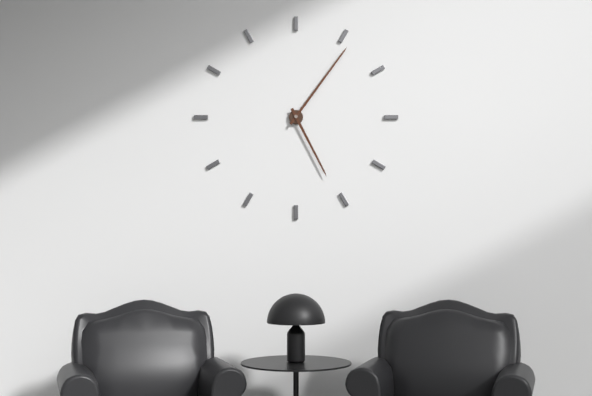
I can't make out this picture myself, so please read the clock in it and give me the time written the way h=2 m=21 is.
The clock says h=5 m=6
